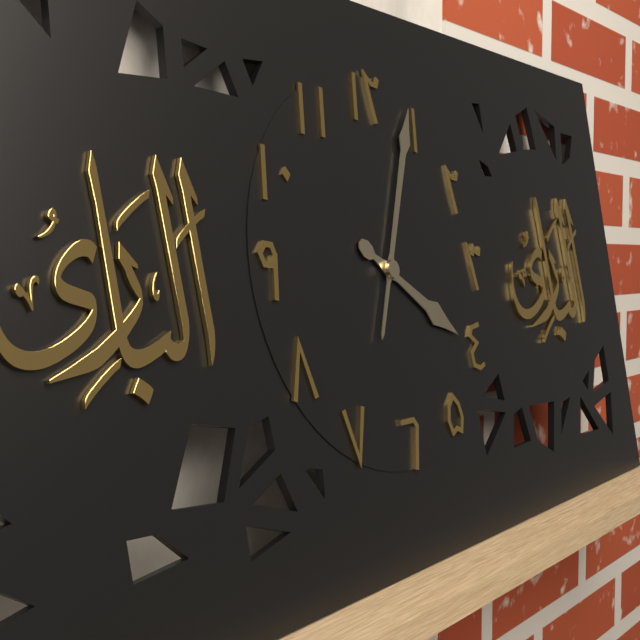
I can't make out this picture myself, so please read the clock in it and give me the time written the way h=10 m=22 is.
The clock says h=4 m=4
